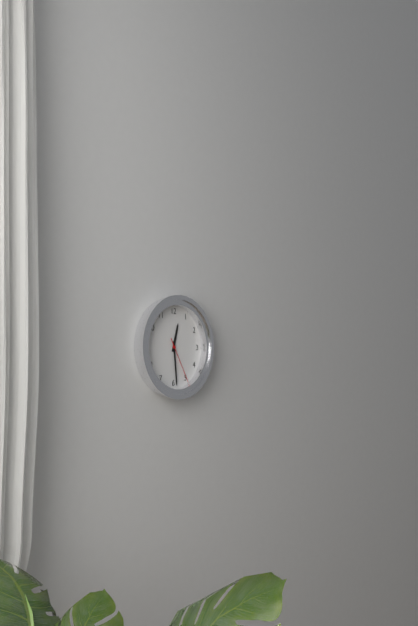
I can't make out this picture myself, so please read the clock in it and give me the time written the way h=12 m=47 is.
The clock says h=12 m=29
